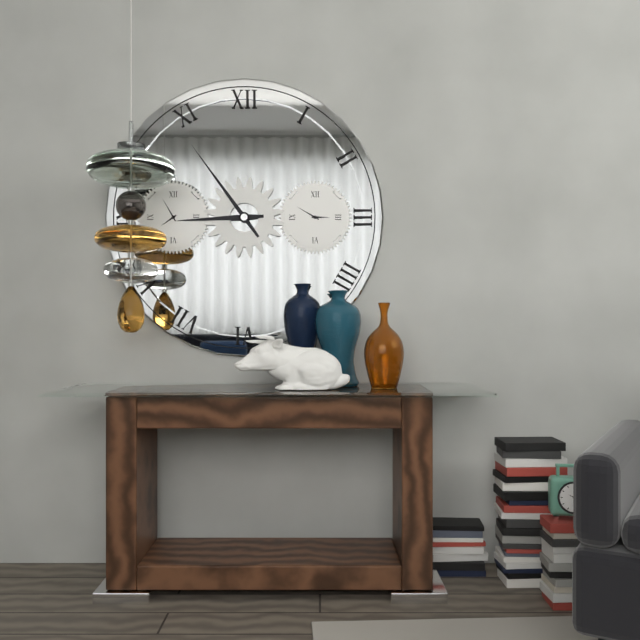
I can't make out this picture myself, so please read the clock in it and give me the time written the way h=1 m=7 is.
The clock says h=8 m=54
